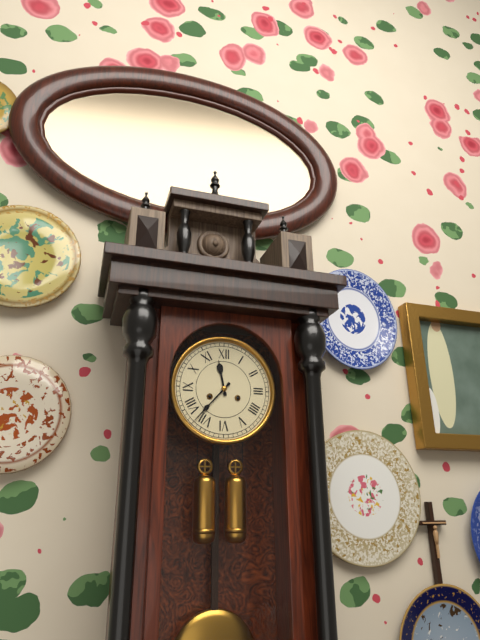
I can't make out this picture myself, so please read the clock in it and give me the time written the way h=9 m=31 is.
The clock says h=11 m=37
